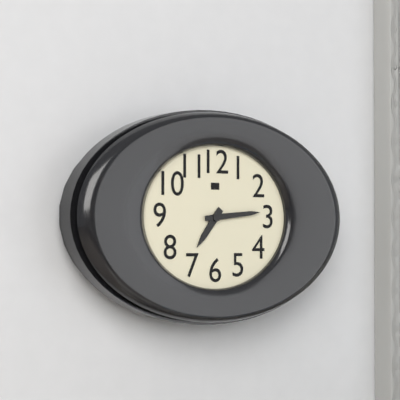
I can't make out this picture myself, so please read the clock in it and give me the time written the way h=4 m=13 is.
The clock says h=7 m=14
